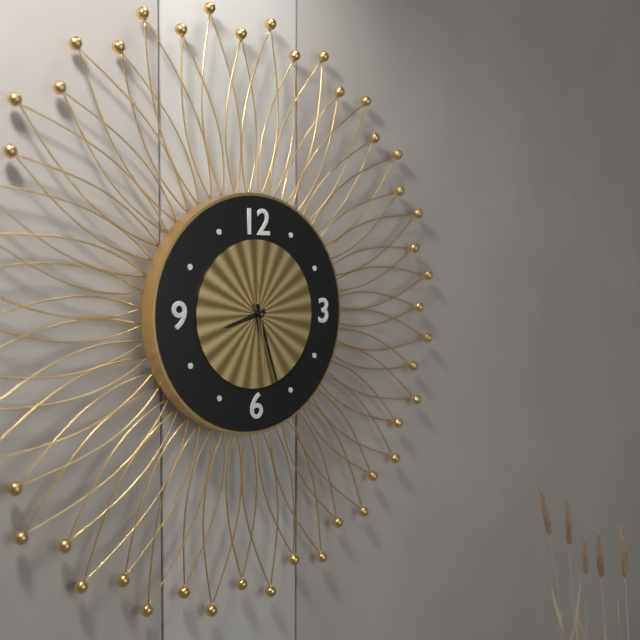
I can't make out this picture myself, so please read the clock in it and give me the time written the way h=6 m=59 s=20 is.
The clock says h=8 m=27 s=29
